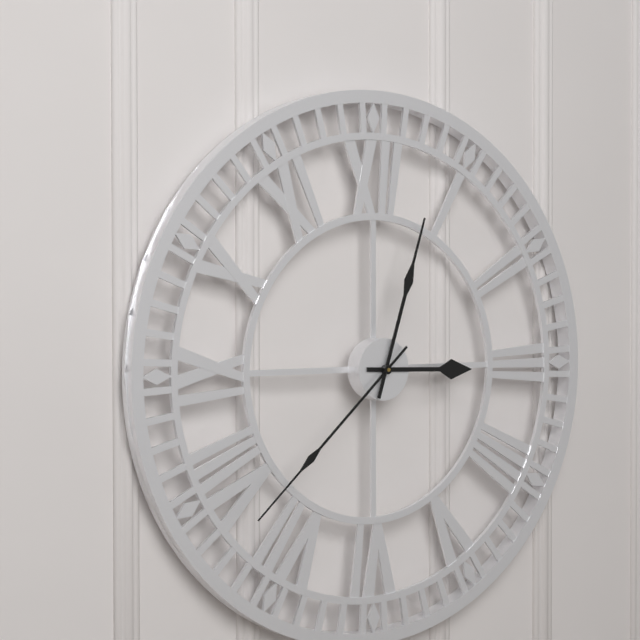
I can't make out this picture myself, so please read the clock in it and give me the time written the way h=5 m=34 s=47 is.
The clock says h=3 m=3 s=38
